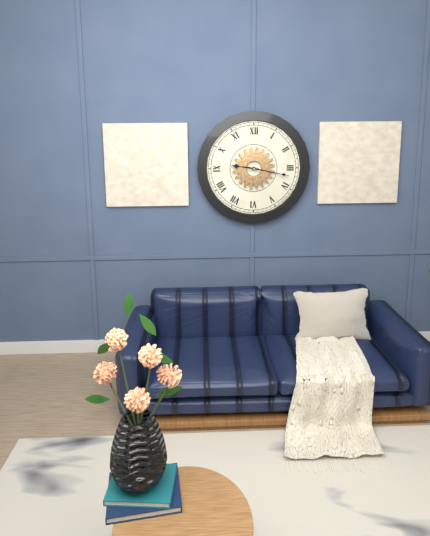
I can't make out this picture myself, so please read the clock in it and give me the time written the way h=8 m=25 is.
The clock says h=9 m=17
